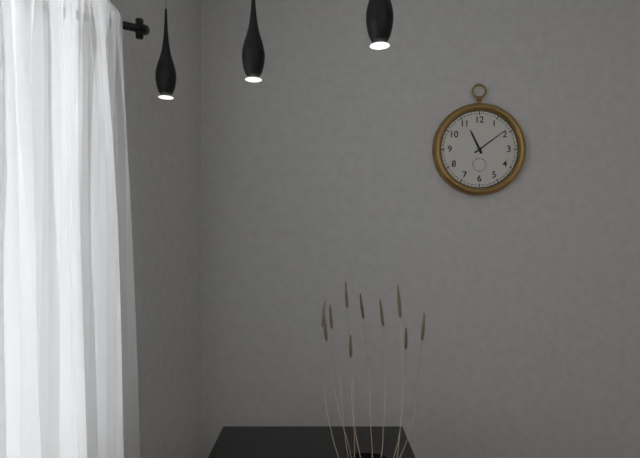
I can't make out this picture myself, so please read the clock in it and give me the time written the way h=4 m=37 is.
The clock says h=11 m=9
